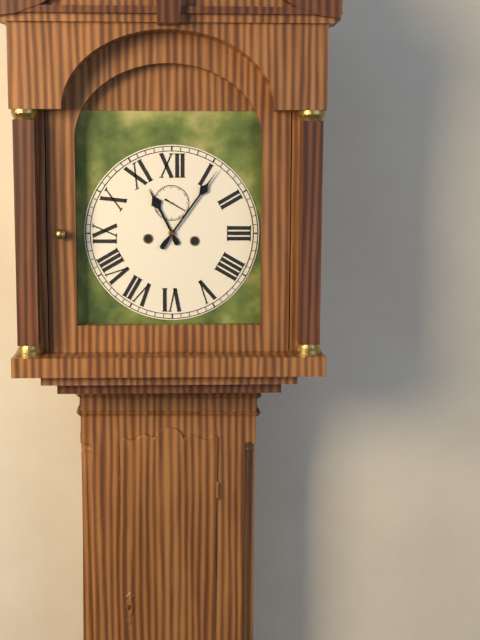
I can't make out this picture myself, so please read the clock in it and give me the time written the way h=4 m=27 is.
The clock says h=11 m=6
